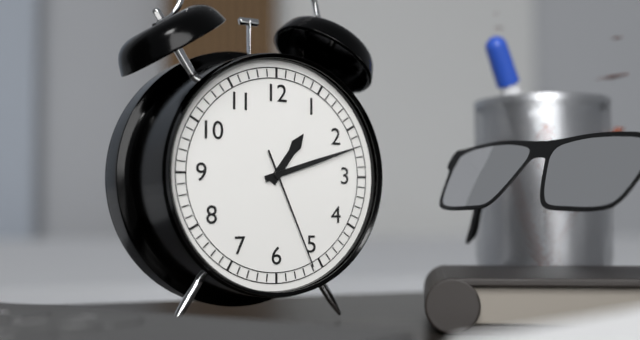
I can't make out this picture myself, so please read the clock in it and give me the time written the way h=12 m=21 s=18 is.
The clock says h=1 m=12 s=26
